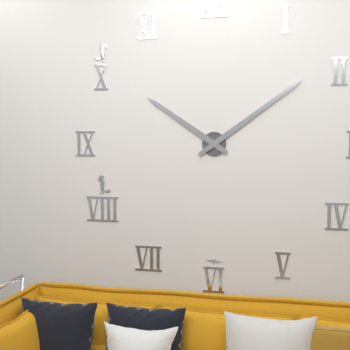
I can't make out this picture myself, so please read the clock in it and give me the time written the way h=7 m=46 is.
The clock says h=10 m=9
